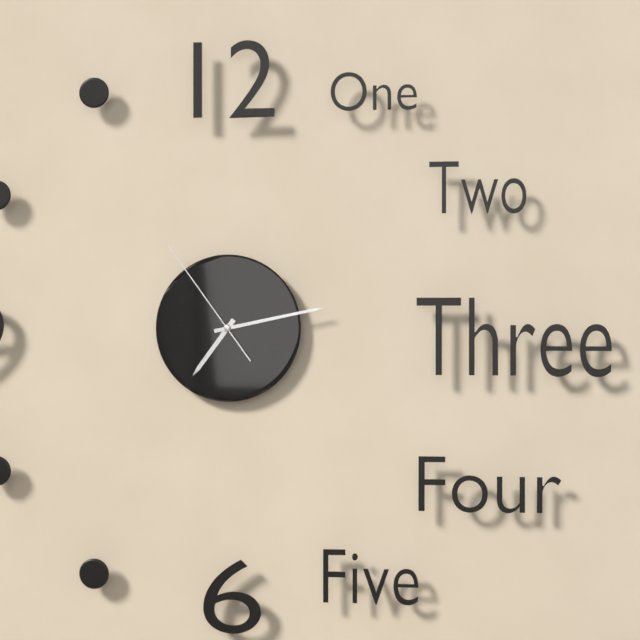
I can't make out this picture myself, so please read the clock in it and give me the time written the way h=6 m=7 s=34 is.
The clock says h=7 m=13 s=54
